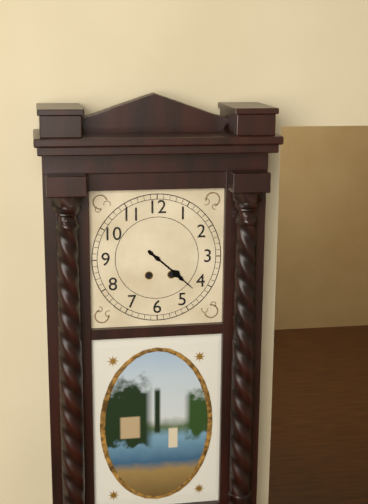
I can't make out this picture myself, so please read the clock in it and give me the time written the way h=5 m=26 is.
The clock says h=4 m=22
